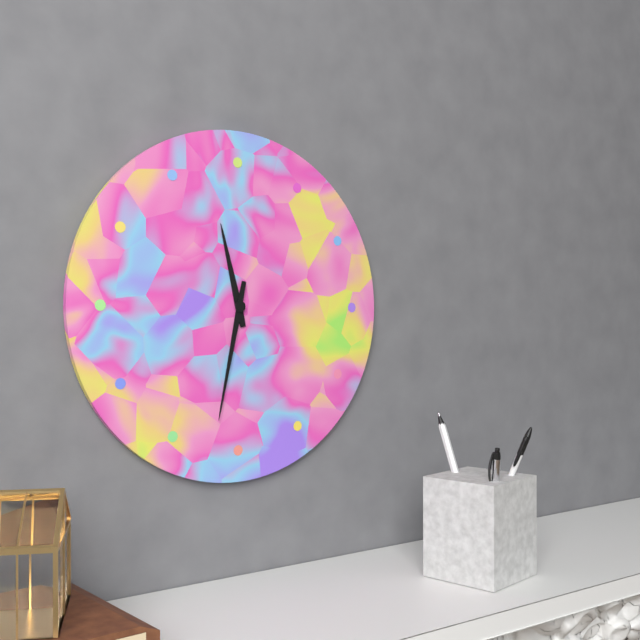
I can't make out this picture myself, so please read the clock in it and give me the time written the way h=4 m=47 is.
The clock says h=11 m=32
